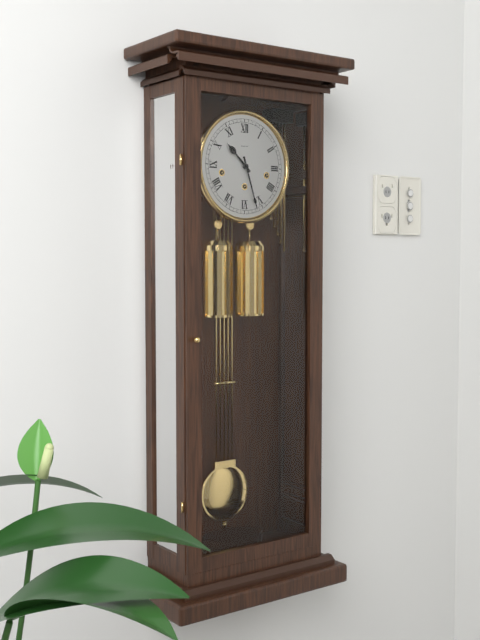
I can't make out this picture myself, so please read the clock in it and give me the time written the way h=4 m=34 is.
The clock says h=10 m=27
